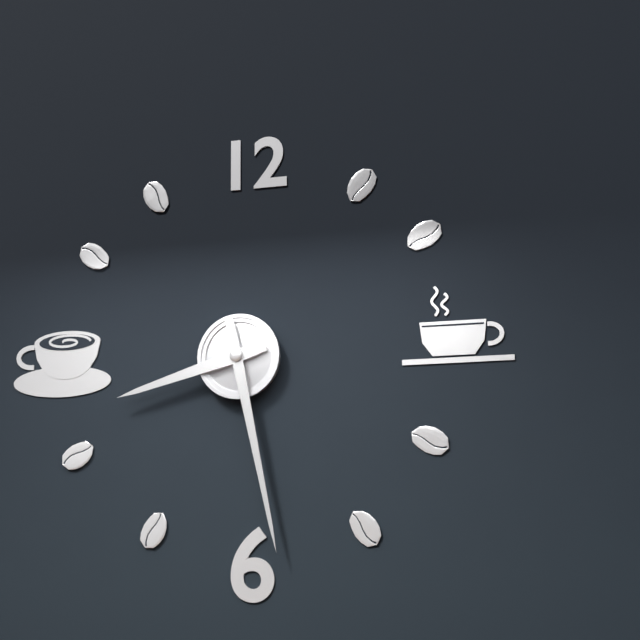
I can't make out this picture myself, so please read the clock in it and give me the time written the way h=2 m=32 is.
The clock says h=8 m=28
